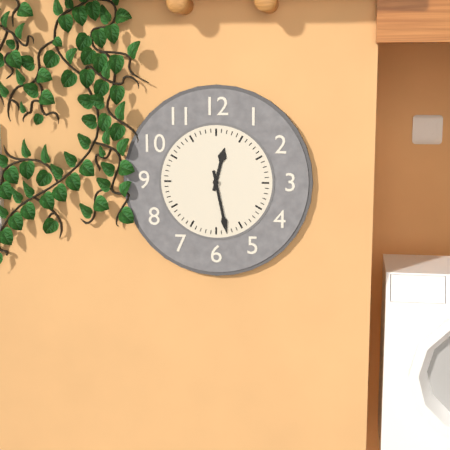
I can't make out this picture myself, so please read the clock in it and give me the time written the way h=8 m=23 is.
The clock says h=12 m=28
